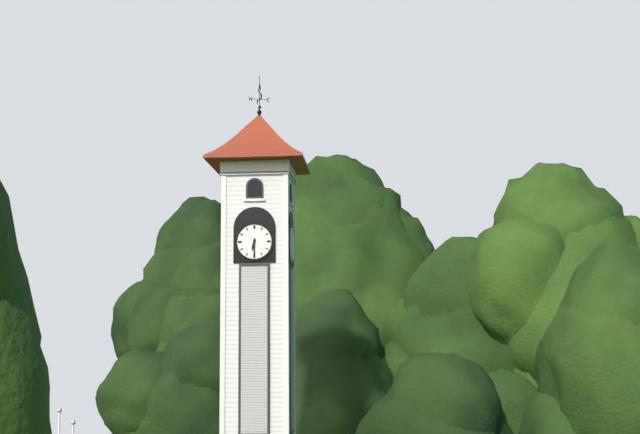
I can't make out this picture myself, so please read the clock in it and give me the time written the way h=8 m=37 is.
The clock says h=6 m=30
